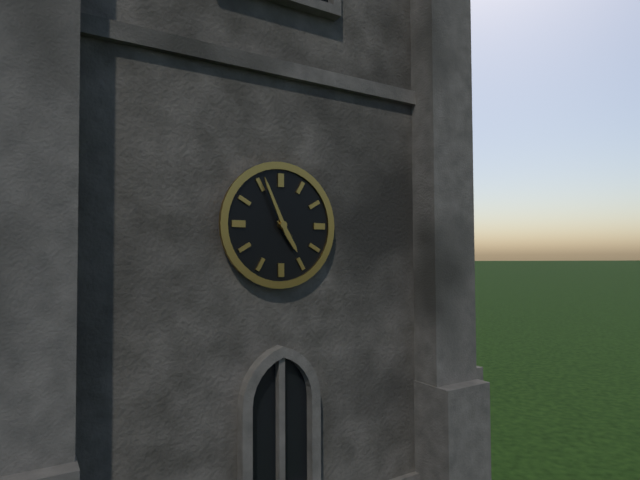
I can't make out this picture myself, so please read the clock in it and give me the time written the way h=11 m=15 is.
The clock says h=4 m=56
